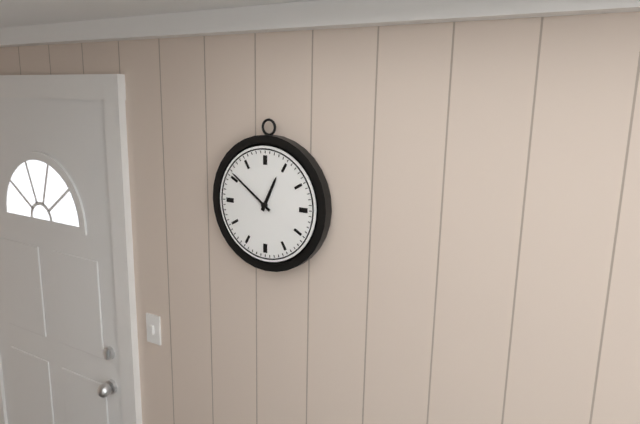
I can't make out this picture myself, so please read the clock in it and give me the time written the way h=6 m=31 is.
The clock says h=12 m=51
